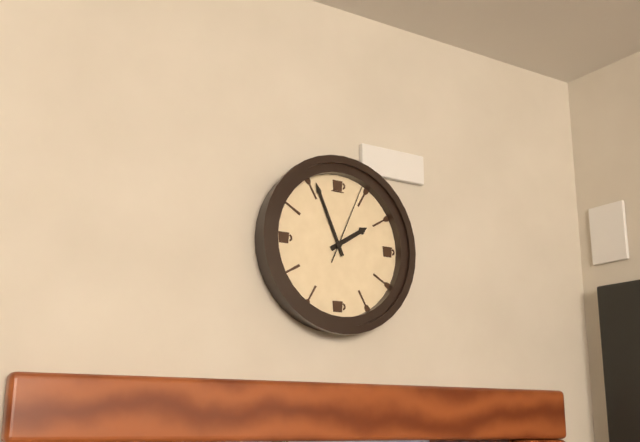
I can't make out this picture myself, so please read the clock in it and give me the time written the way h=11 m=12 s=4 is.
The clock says h=1 m=56 s=4
